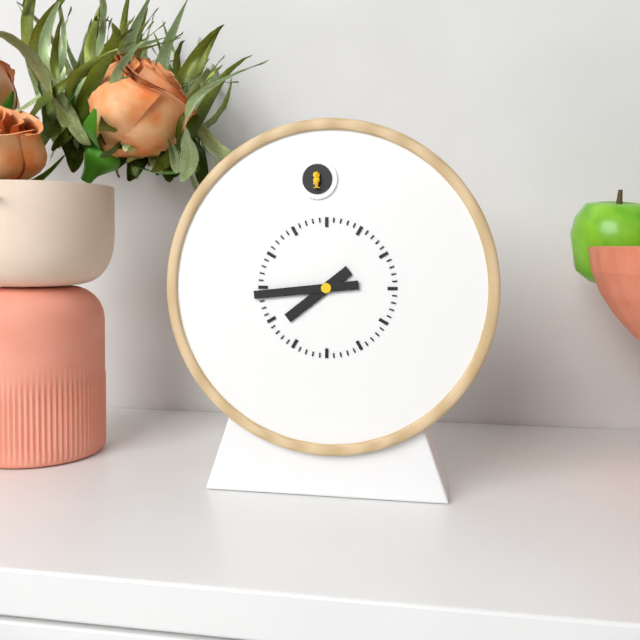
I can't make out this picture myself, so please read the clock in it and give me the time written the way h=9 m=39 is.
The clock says h=7 m=44
